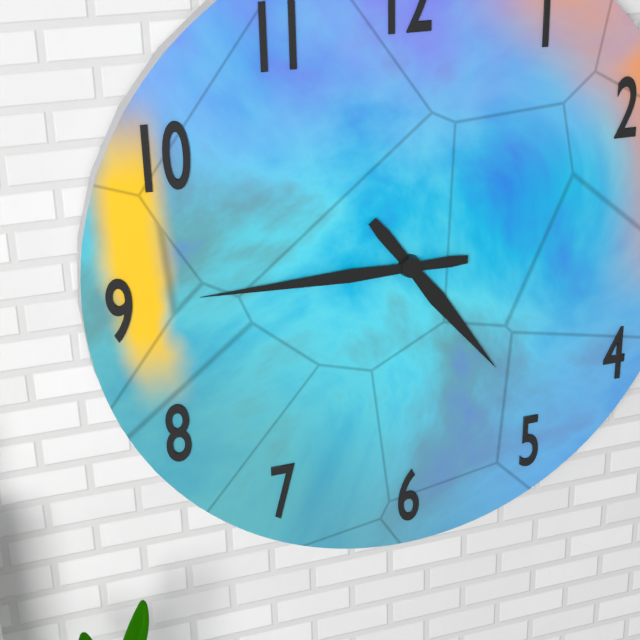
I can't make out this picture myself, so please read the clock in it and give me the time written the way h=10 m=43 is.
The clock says h=4 m=45
